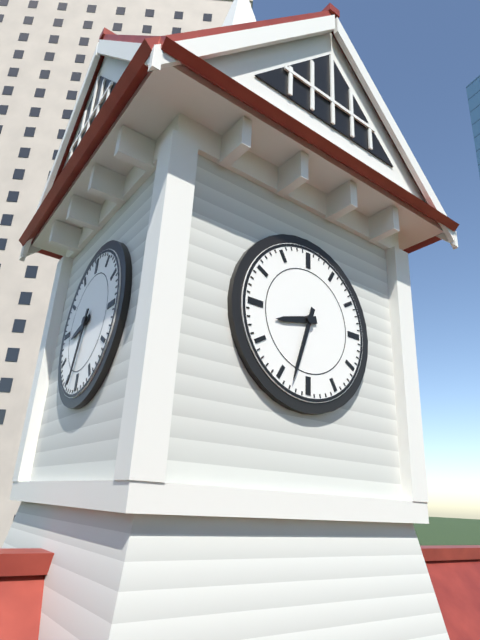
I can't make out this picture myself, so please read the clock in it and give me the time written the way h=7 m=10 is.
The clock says h=8 m=33
